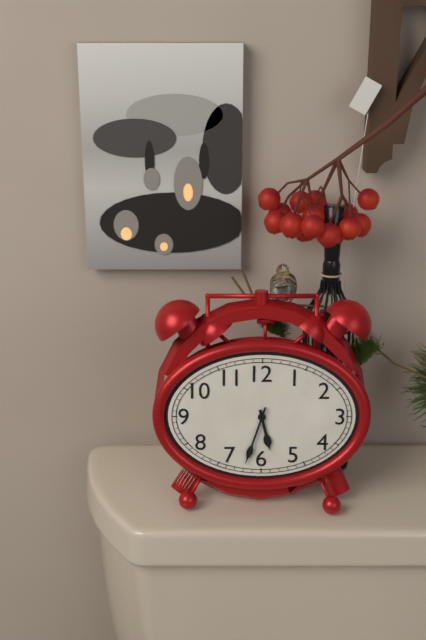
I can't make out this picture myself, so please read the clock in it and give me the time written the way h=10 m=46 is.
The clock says h=5 m=33
